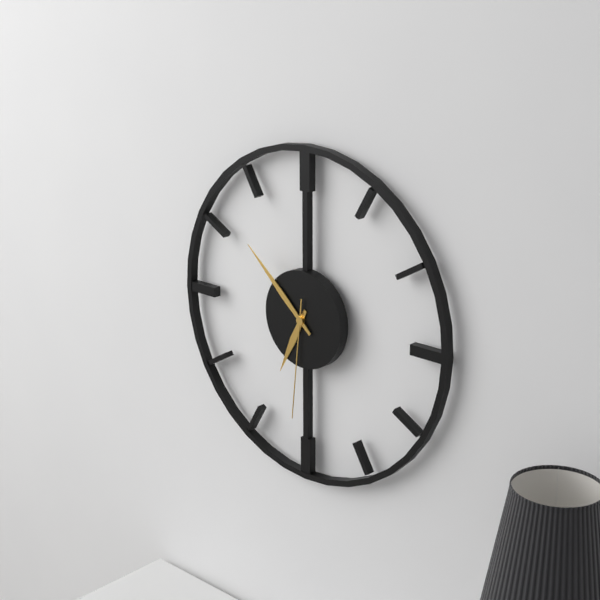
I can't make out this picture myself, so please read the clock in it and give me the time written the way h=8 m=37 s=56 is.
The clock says h=6 m=52 s=31
